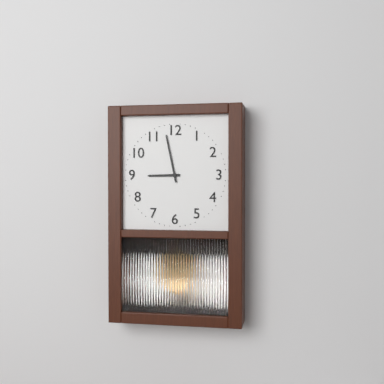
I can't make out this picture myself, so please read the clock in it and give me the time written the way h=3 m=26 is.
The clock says h=8 m=58
